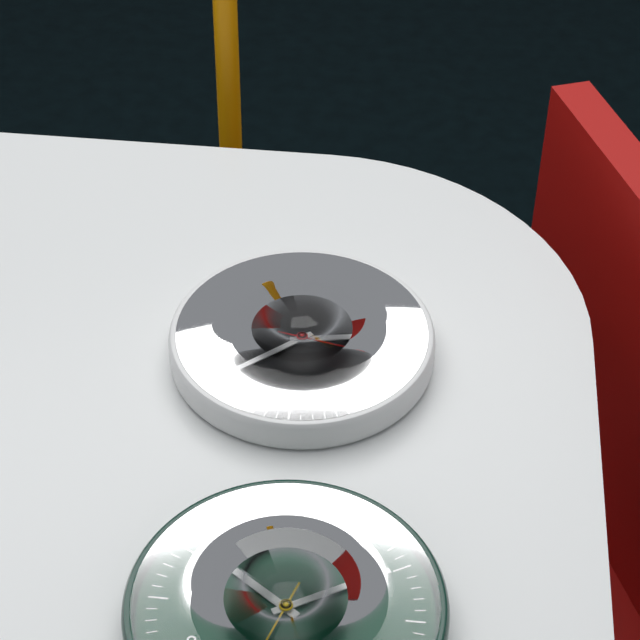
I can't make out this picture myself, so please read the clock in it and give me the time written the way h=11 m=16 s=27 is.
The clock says h=2 m=38 s=17
